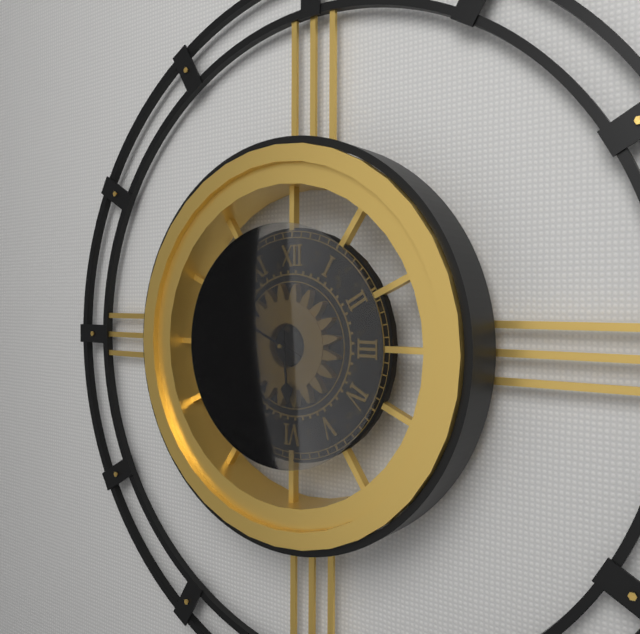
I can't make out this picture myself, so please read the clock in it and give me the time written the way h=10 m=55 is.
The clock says h=5 m=49
